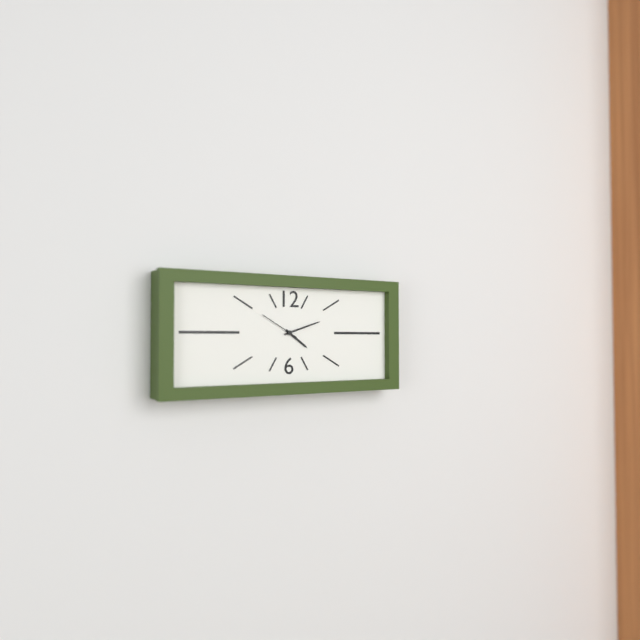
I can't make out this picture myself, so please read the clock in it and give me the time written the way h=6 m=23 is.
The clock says h=4 m=12
